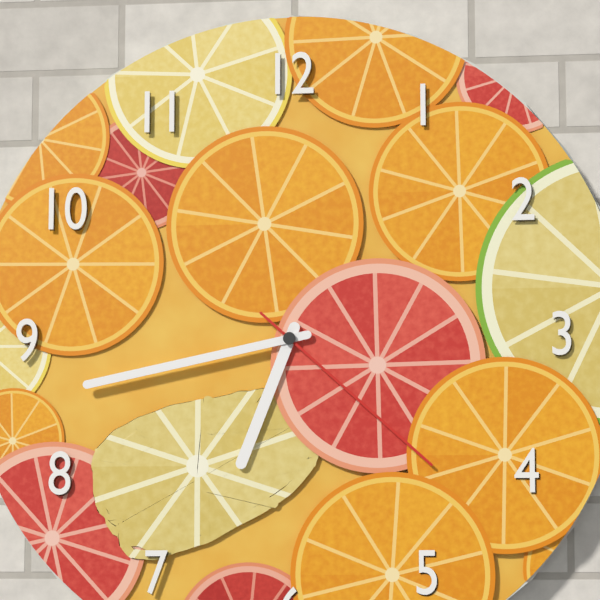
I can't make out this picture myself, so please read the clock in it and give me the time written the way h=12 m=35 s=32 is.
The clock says h=6 m=43 s=22
